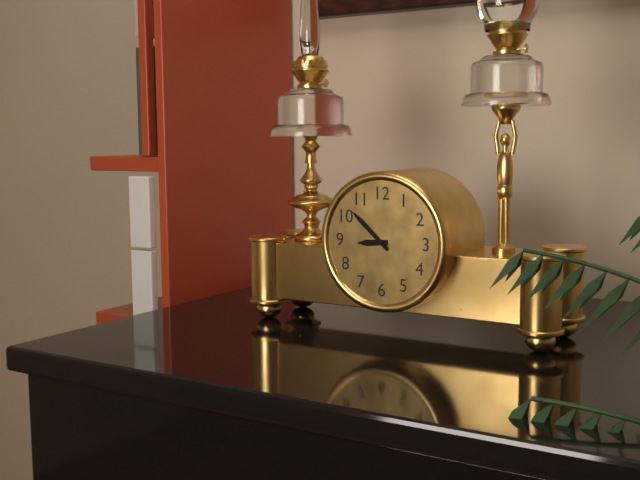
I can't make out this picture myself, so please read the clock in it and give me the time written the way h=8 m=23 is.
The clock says h=8 m=52
